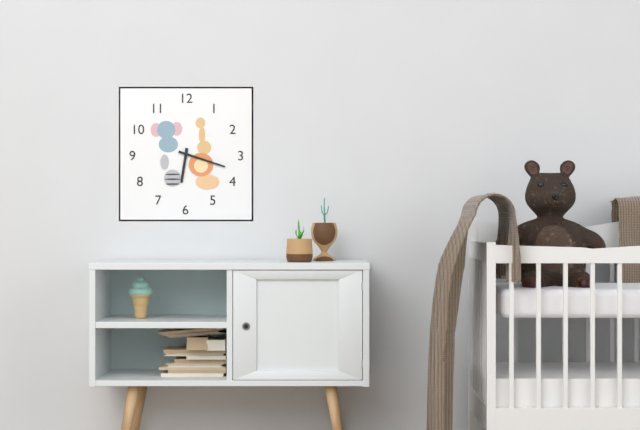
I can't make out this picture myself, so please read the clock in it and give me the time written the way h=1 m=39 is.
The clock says h=6 m=18
